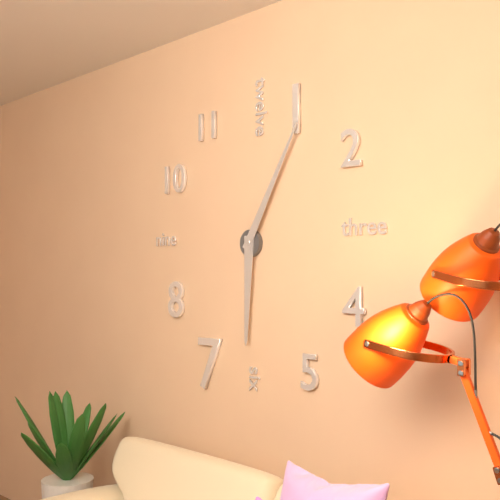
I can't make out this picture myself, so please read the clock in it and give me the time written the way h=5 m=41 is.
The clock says h=6 m=5
